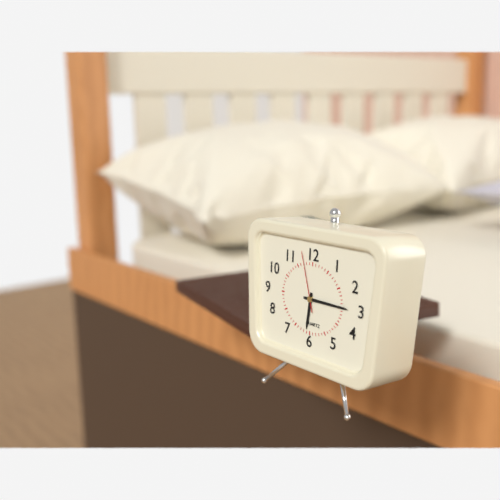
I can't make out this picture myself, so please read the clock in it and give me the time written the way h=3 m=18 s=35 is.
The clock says h=6 m=15 s=57
